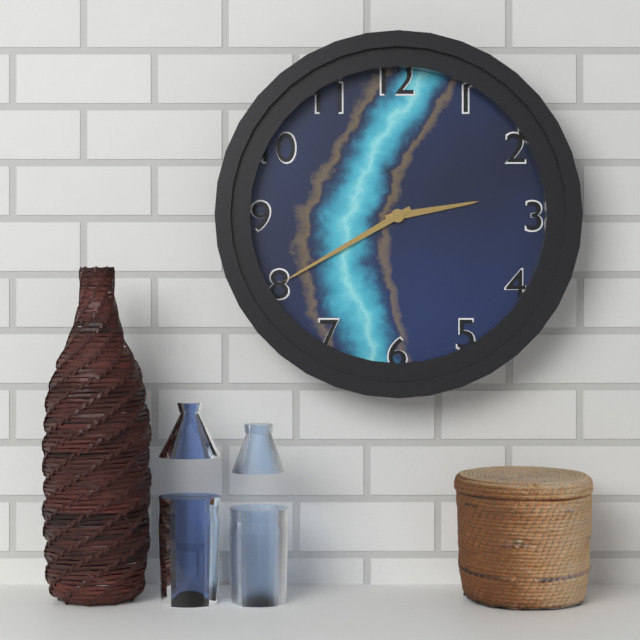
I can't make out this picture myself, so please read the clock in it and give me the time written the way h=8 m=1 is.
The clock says h=2 m=40
